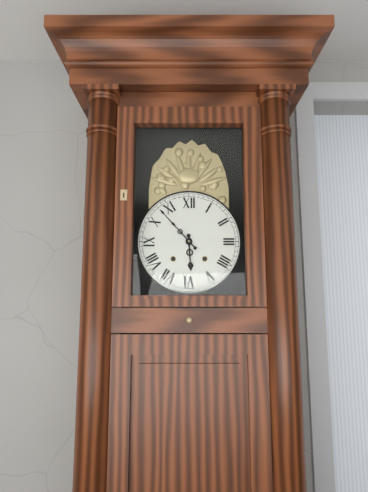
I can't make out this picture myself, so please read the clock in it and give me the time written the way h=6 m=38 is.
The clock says h=5 m=53
